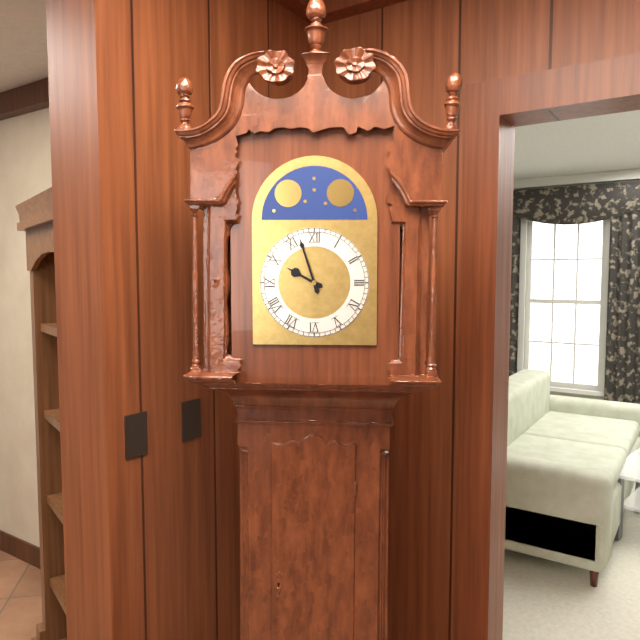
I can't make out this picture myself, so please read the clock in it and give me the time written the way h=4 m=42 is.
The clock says h=9 m=57
